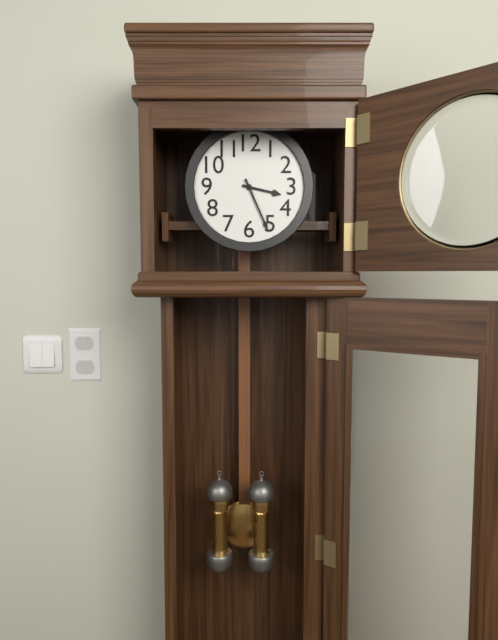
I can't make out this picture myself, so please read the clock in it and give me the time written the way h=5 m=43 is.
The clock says h=3 m=26
